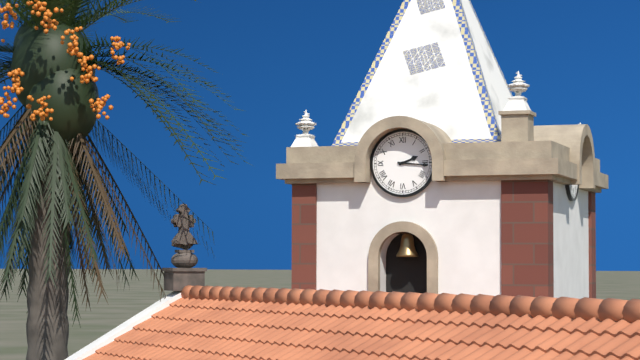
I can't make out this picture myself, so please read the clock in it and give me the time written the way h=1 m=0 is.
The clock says h=2 m=16
